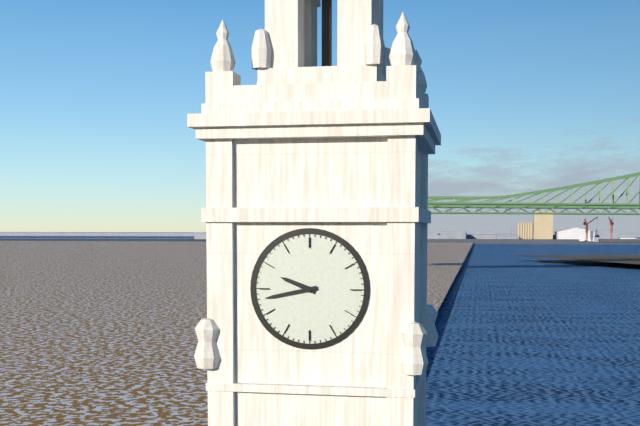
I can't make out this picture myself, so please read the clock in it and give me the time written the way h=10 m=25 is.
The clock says h=9 m=43
